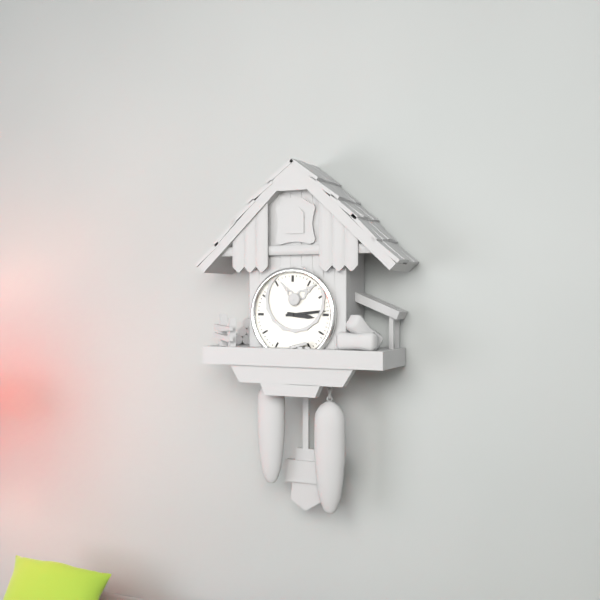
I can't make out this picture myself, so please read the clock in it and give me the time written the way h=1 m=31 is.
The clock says h=3 m=14
